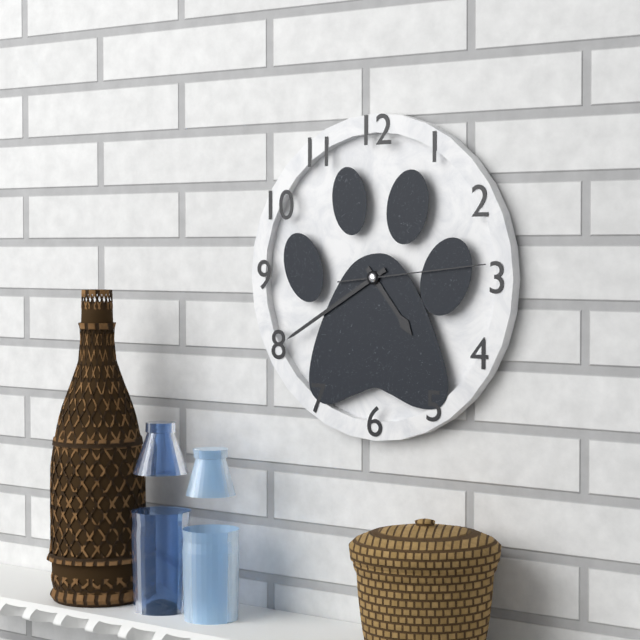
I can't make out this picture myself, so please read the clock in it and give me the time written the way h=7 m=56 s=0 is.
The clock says h=4 m=40 s=14
